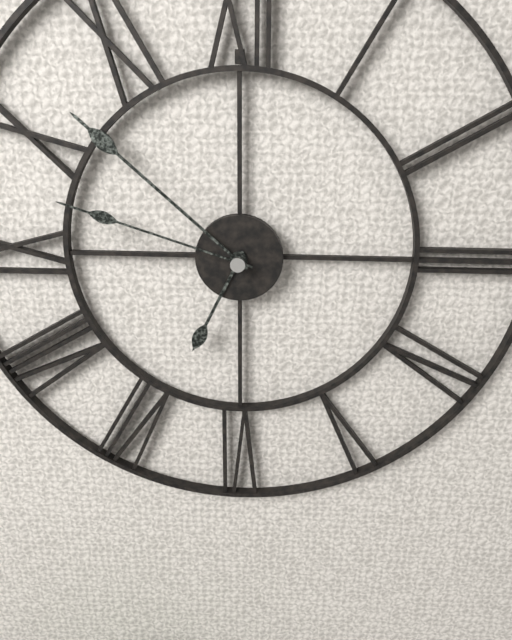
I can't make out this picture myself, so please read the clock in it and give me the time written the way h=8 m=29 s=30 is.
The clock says h=6 m=52 s=48
